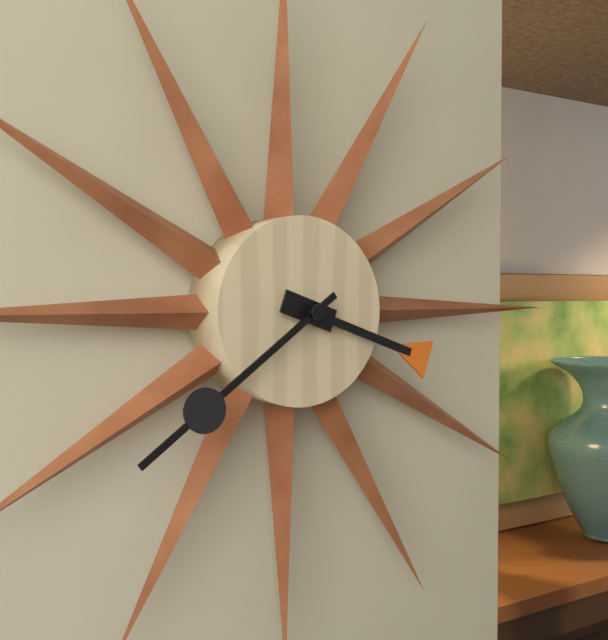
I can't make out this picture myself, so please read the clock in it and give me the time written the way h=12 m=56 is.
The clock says h=3 m=39
